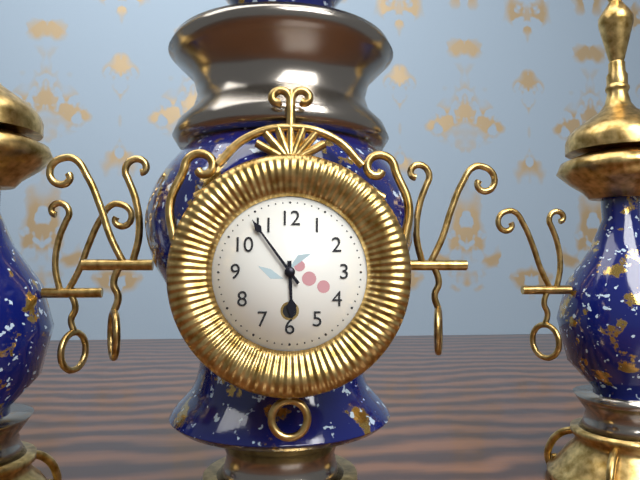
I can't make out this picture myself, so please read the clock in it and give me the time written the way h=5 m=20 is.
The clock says h=5 m=54
